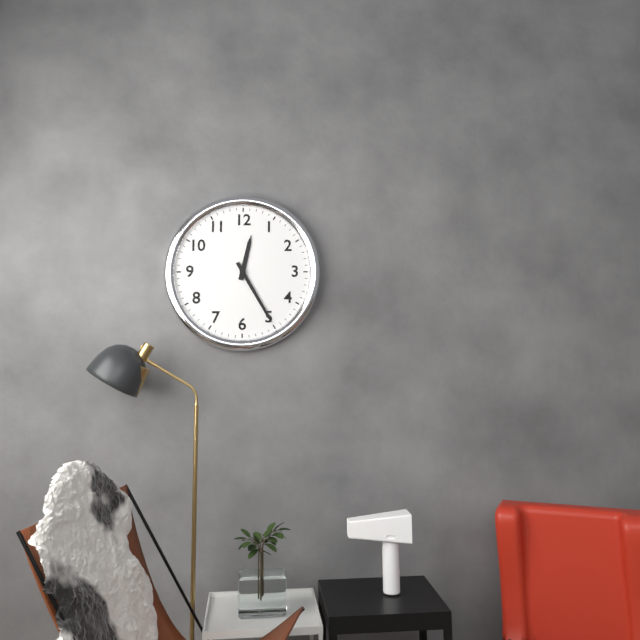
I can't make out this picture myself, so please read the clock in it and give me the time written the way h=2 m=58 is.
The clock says h=12 m=25
